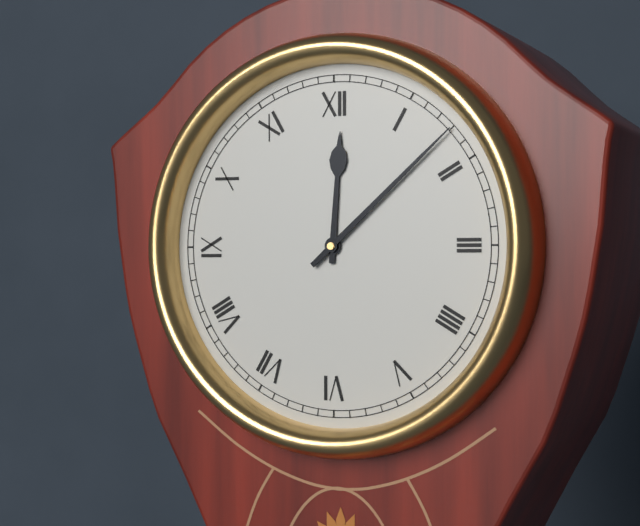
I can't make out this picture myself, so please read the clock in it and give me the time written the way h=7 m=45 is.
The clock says h=12 m=8
